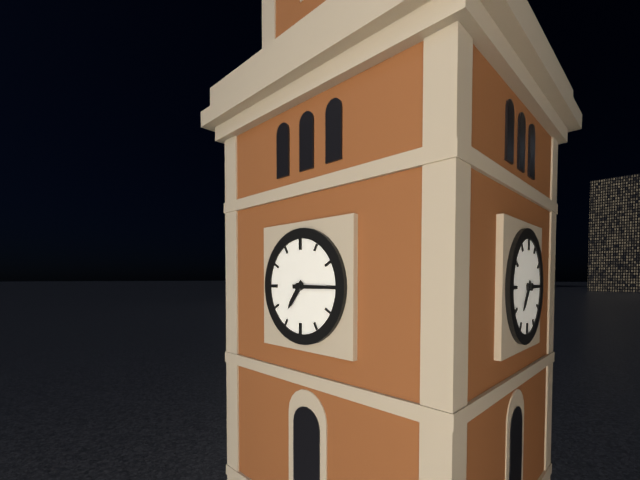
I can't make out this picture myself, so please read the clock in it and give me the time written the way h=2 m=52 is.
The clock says h=7 m=15
